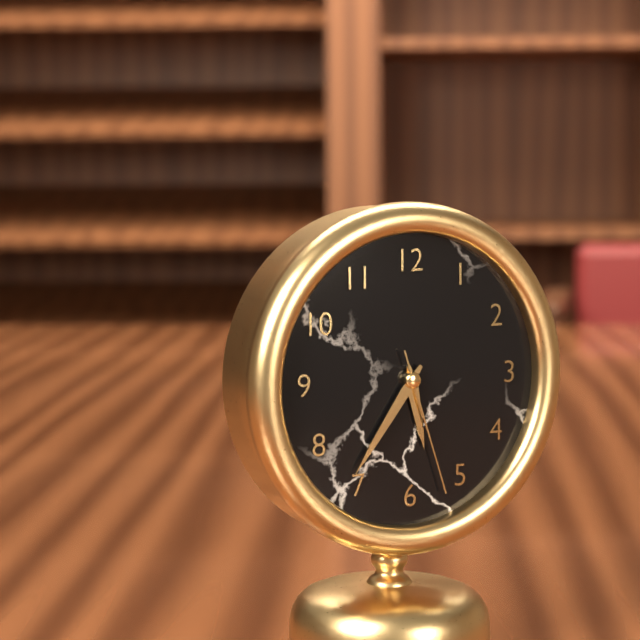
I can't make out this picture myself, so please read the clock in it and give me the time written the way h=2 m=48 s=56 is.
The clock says h=5 m=36 s=27
